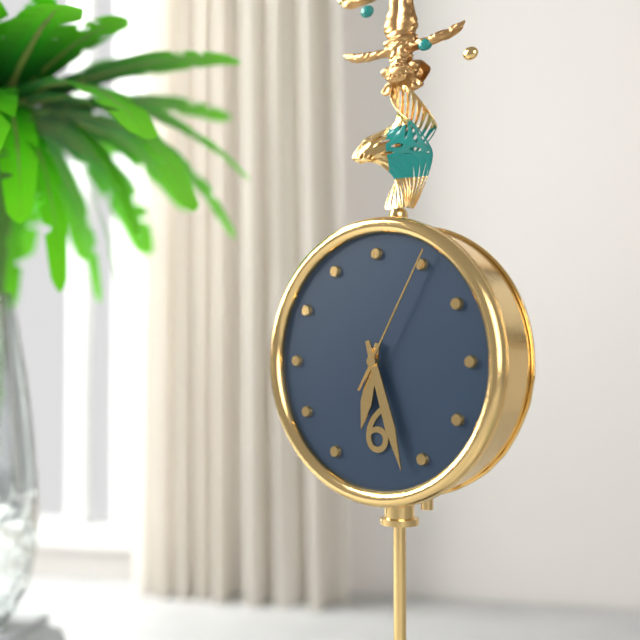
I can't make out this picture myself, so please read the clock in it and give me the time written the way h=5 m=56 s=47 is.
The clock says h=6 m=27 s=5
